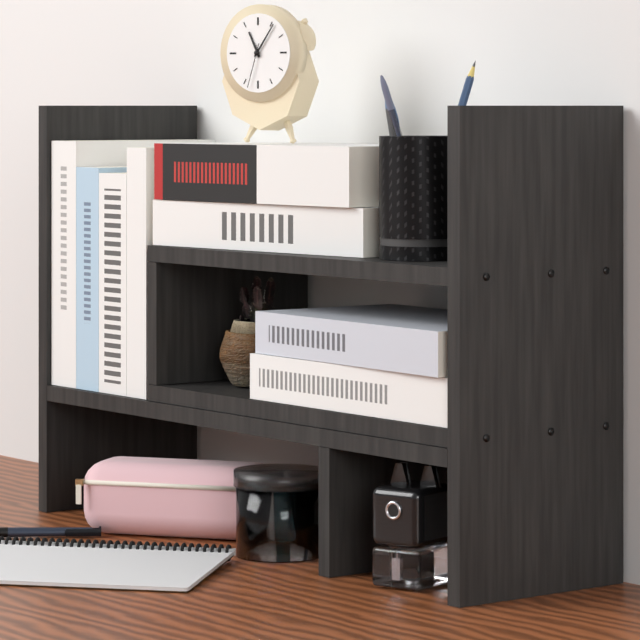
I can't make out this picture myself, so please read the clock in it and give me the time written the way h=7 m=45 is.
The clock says h=11 m=6
